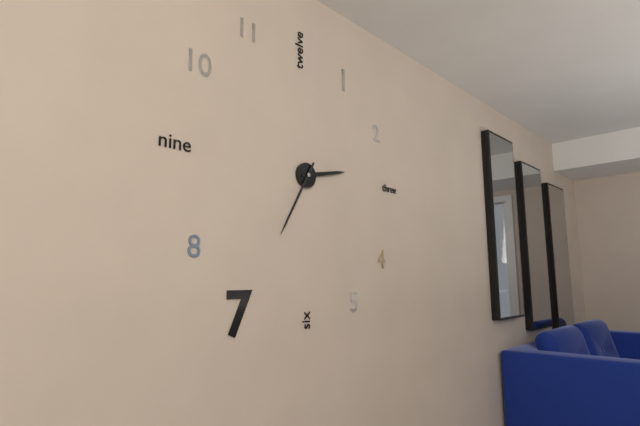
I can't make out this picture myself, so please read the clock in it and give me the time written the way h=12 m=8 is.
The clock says h=2 m=35
